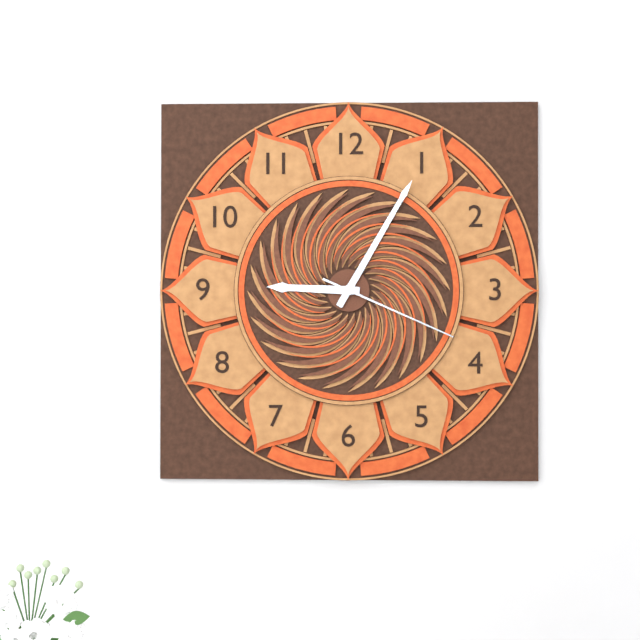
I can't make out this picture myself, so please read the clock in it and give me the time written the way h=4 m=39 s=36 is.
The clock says h=9 m=5 s=19
